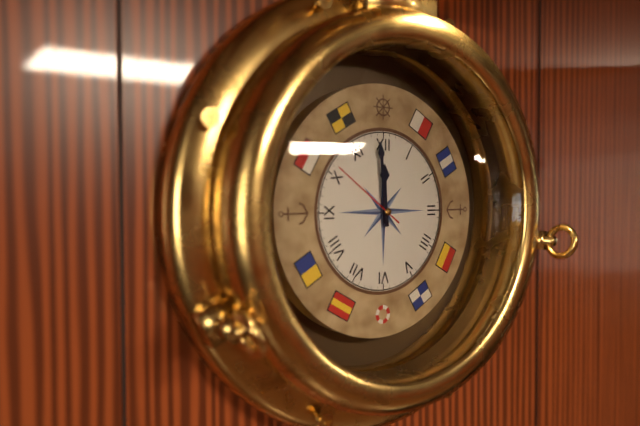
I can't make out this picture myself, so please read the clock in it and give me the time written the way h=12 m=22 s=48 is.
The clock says h=11 m=59 s=51
